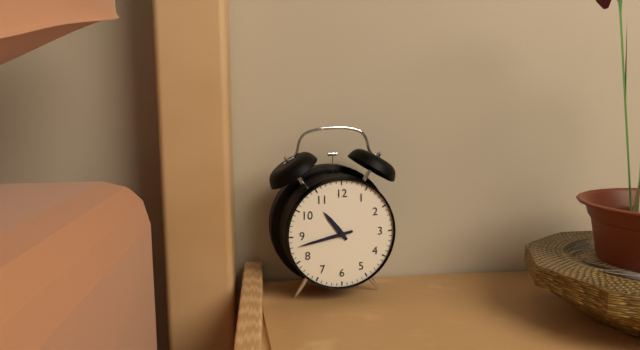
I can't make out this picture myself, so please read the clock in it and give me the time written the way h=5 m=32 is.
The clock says h=10 m=43
